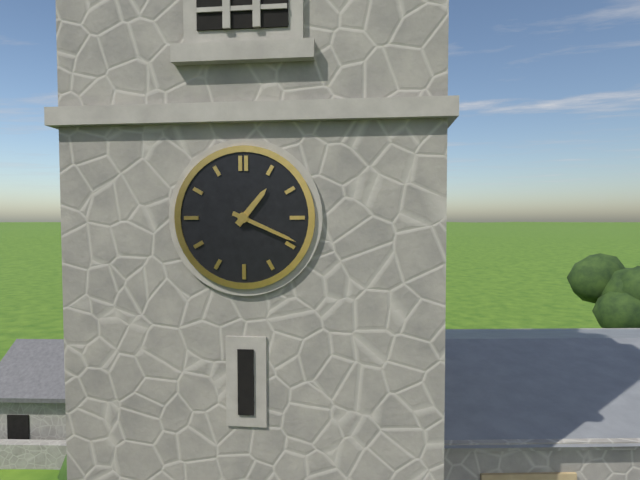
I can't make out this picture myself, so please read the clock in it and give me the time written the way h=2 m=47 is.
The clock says h=1 m=19
